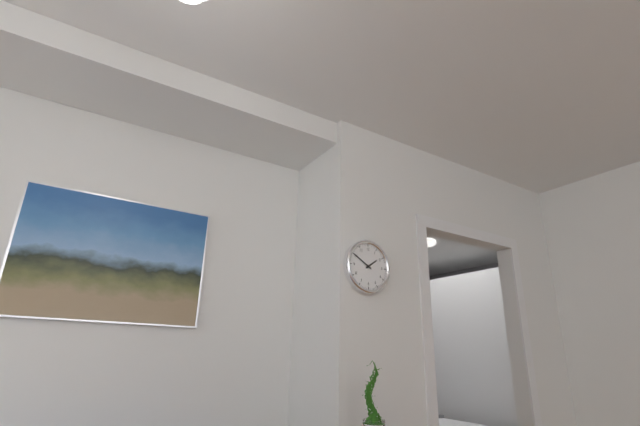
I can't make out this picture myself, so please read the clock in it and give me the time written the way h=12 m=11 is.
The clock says h=1 m=50
